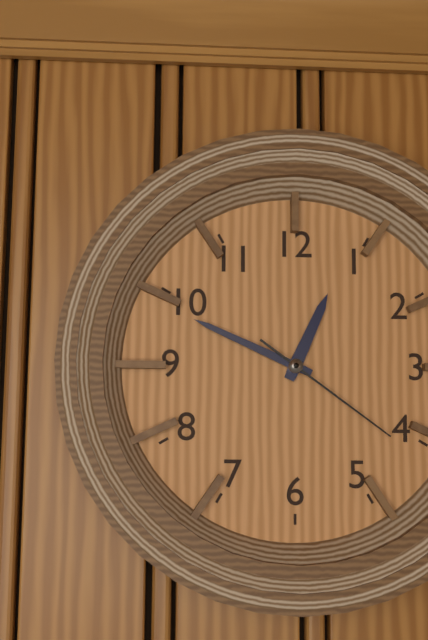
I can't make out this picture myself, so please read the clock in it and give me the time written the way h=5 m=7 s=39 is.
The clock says h=12 m=49 s=21
